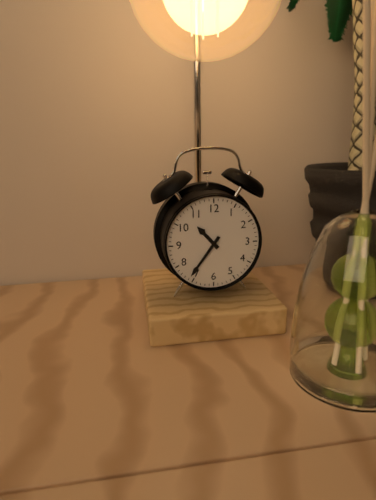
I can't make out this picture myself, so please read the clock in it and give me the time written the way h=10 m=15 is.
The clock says h=10 m=36
